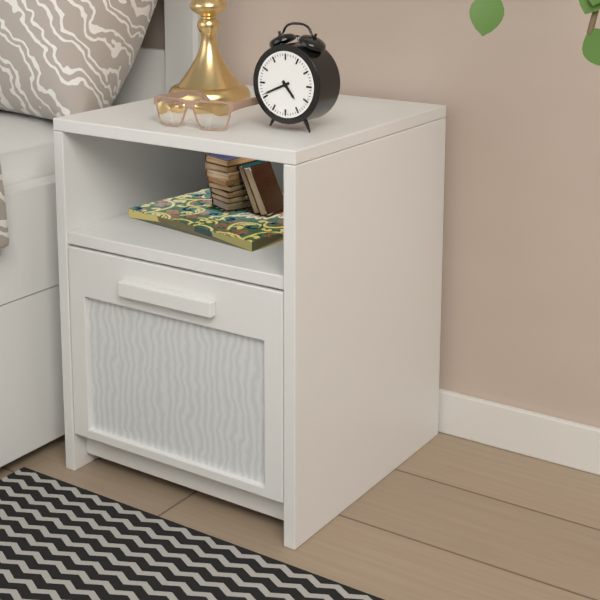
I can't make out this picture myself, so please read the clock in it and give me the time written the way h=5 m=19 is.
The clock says h=4 m=41
